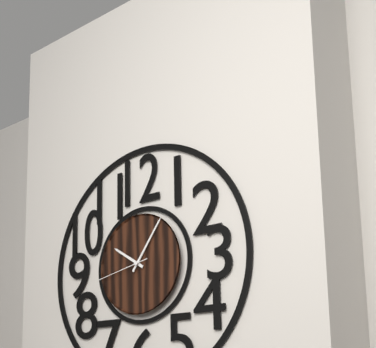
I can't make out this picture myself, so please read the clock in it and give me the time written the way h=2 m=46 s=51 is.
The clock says h=10 m=6 s=43
